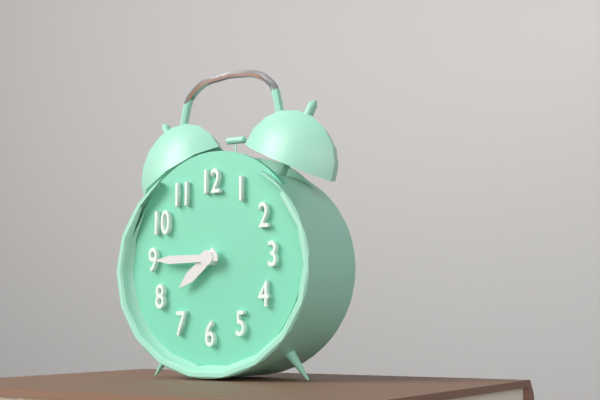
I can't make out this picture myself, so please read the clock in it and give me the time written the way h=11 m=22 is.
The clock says h=7 m=45
